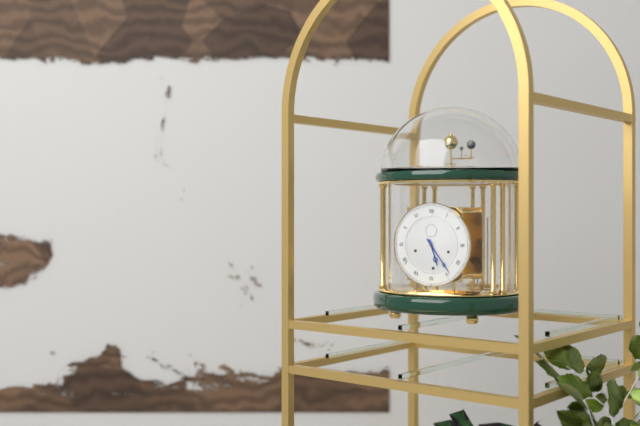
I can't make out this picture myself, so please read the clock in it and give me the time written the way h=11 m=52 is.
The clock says h=5 m=24
